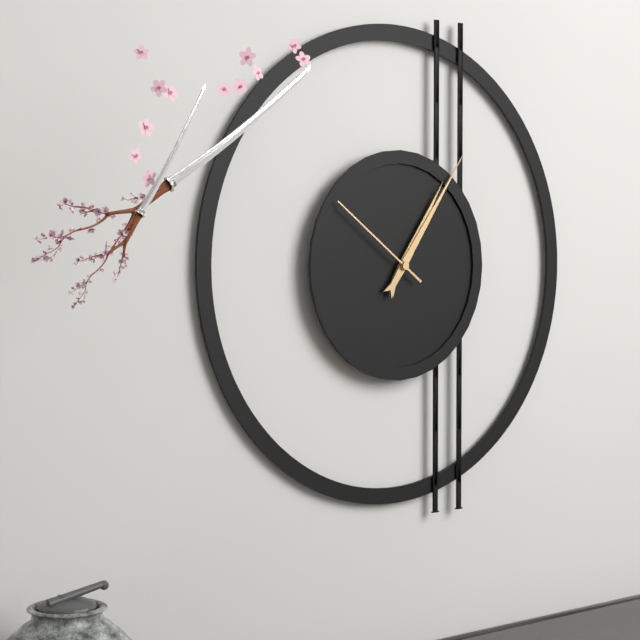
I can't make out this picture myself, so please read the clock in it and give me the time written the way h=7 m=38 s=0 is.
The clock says h=1 m=6 s=51
